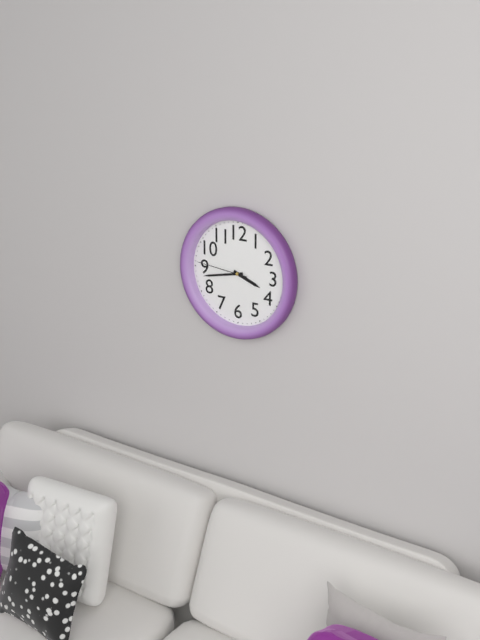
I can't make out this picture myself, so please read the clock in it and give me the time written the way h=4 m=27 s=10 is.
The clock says h=3 m=43 s=46
